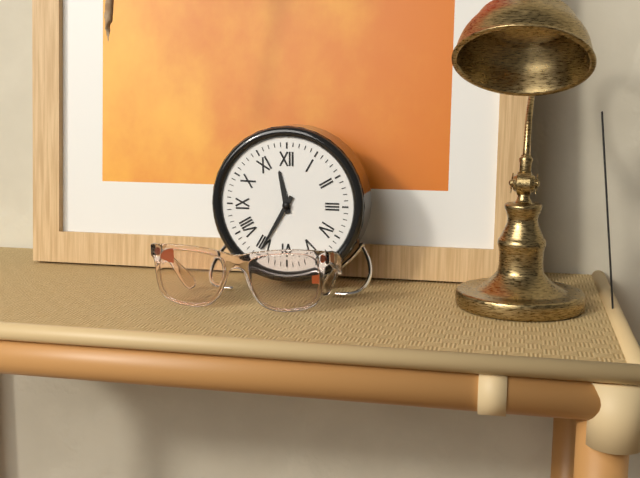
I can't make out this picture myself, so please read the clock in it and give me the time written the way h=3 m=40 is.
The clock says h=11 m=35
